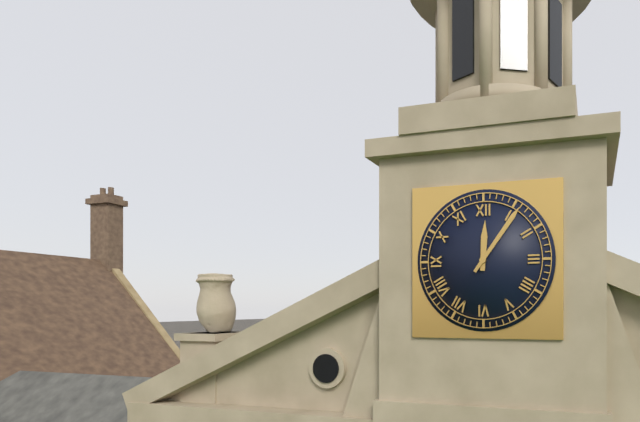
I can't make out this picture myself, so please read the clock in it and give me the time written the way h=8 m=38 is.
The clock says h=12 m=6
